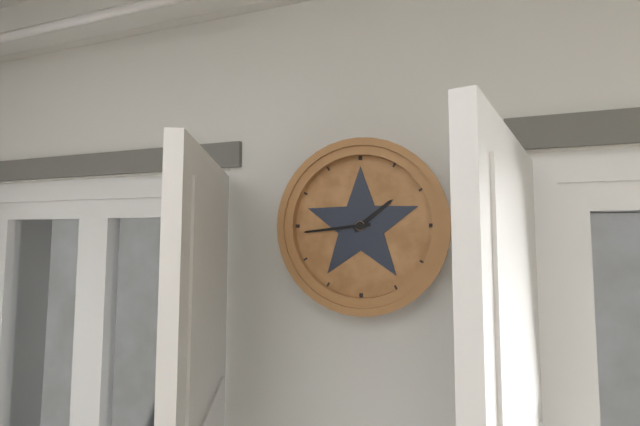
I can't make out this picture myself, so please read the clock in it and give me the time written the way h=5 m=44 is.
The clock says h=1 m=44
